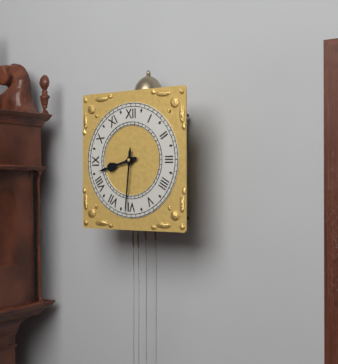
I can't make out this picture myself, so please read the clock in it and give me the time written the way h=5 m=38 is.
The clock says h=8 m=31
